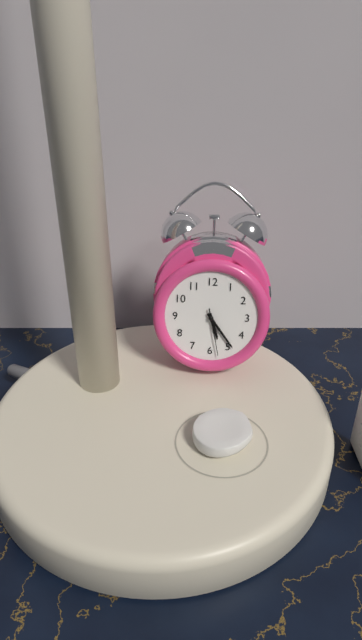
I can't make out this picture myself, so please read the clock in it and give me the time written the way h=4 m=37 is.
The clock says h=5 m=24
